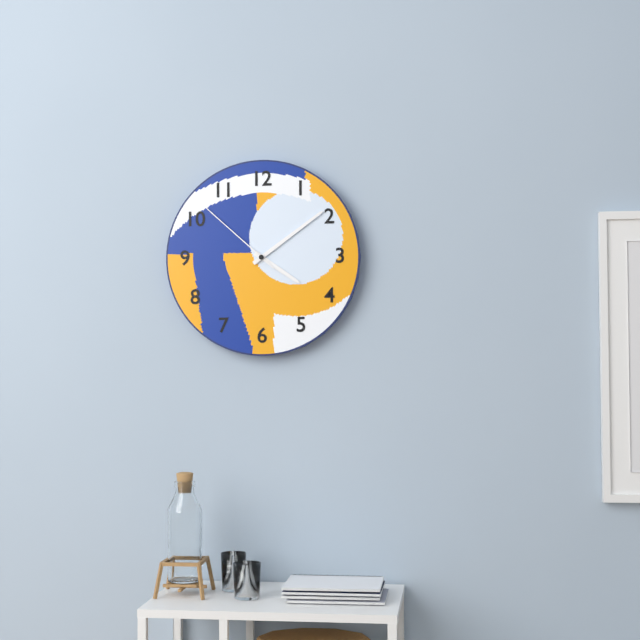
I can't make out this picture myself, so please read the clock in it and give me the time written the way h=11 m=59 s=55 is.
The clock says h=4 m=9 s=52
